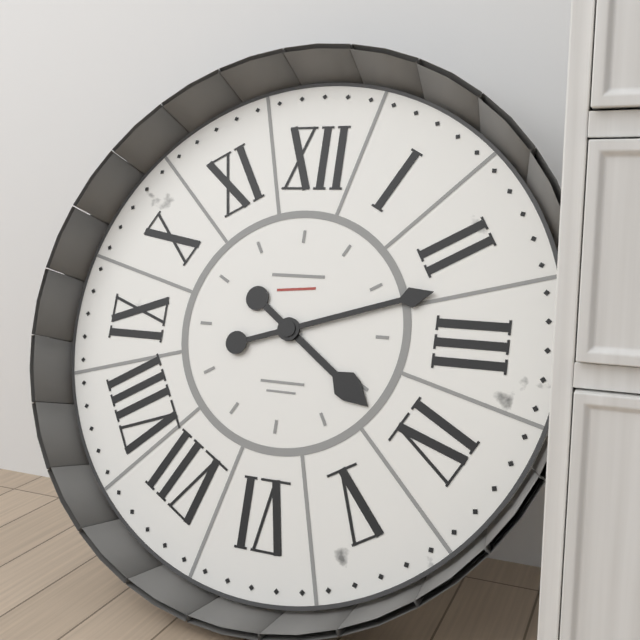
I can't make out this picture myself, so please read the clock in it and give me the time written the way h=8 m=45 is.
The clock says h=4 m=12
